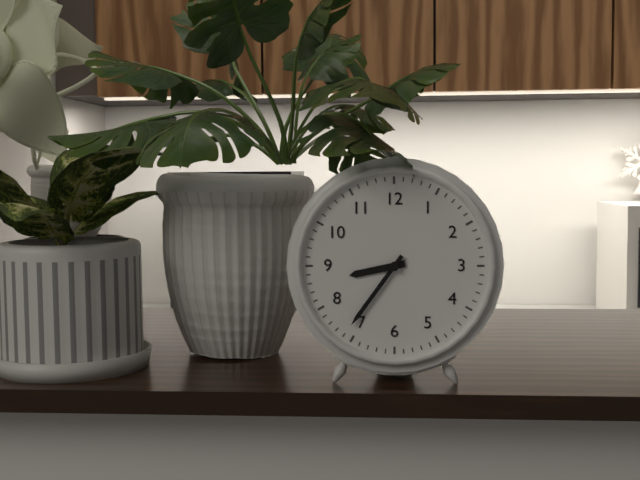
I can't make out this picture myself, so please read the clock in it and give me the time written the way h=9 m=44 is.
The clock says h=8 m=36
